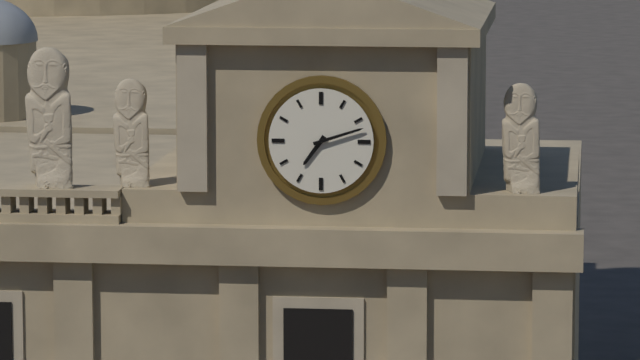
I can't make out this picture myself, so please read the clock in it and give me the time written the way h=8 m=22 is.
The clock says h=7 m=12
